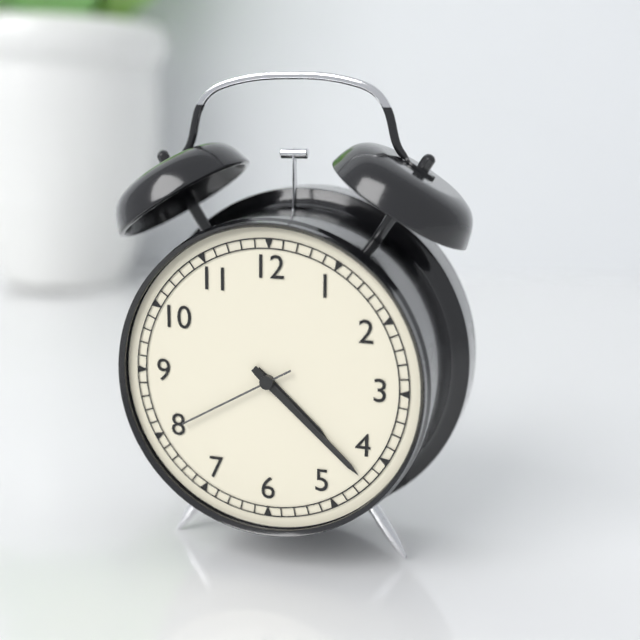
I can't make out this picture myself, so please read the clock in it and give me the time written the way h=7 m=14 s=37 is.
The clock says h=4 m=22 s=40
